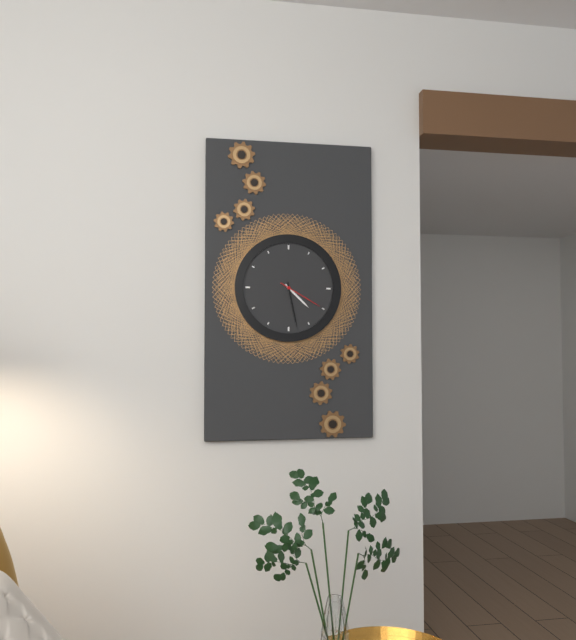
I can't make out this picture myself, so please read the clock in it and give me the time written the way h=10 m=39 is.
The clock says h=4 m=28
